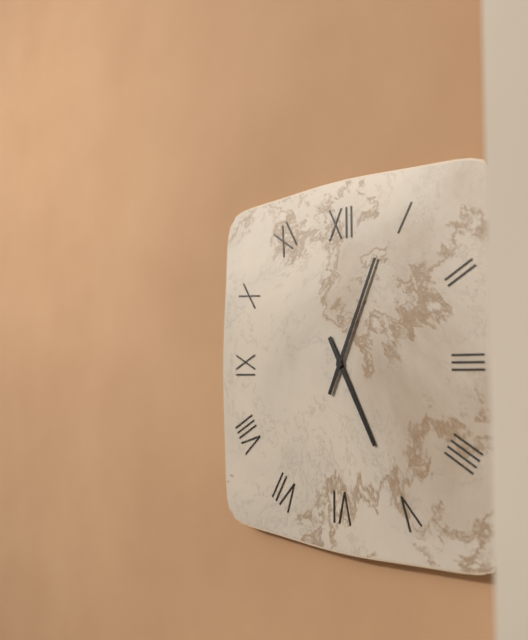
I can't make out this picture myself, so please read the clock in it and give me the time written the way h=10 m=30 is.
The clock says h=5 m=4
